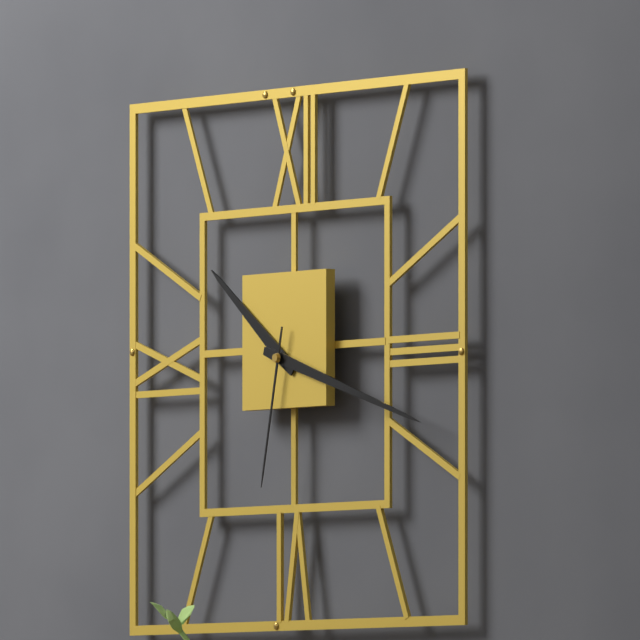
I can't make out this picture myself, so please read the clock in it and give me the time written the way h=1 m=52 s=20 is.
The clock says h=10 m=18 s=32
